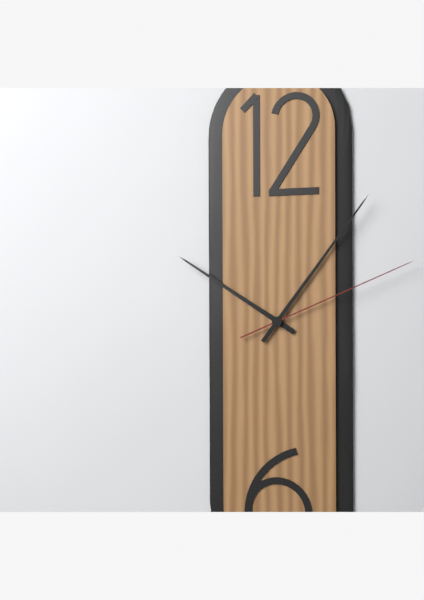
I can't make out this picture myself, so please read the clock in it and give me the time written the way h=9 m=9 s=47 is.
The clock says h=10 m=6 s=11
